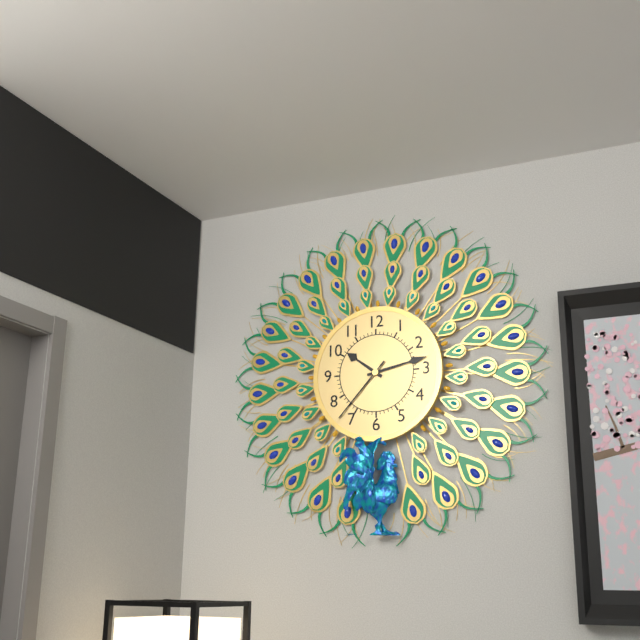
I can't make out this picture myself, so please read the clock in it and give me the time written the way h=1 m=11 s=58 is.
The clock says h=10 m=13 s=37
